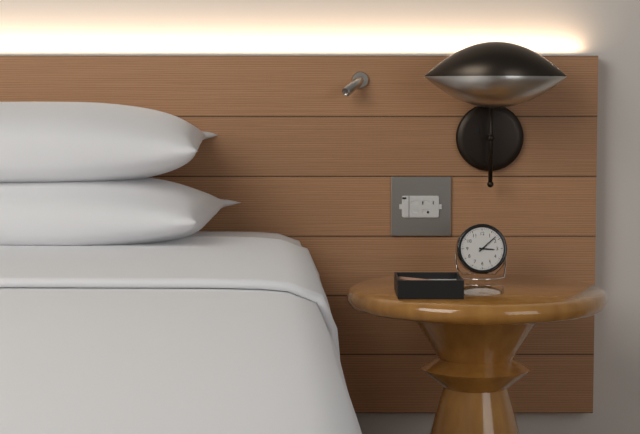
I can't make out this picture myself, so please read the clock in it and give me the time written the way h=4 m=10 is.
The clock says h=3 m=8
